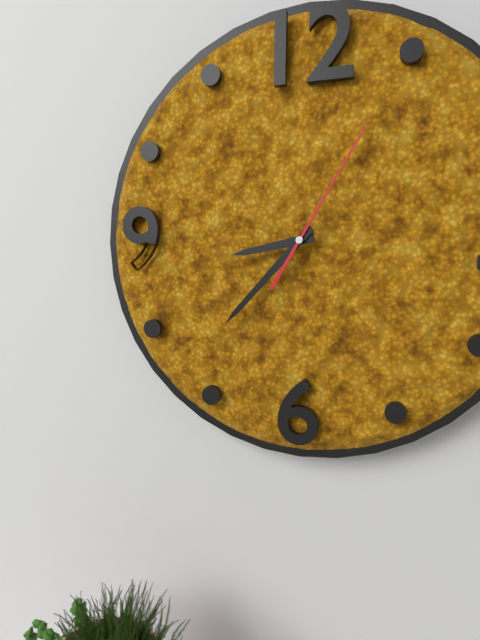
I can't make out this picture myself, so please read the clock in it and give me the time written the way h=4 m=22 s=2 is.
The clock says h=8 m=37 s=5
